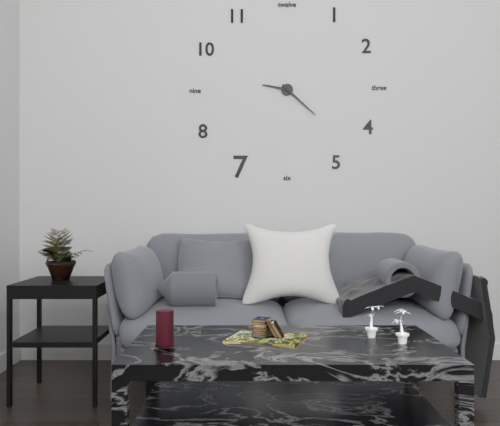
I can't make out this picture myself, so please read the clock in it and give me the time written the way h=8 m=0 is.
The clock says h=9 m=22
